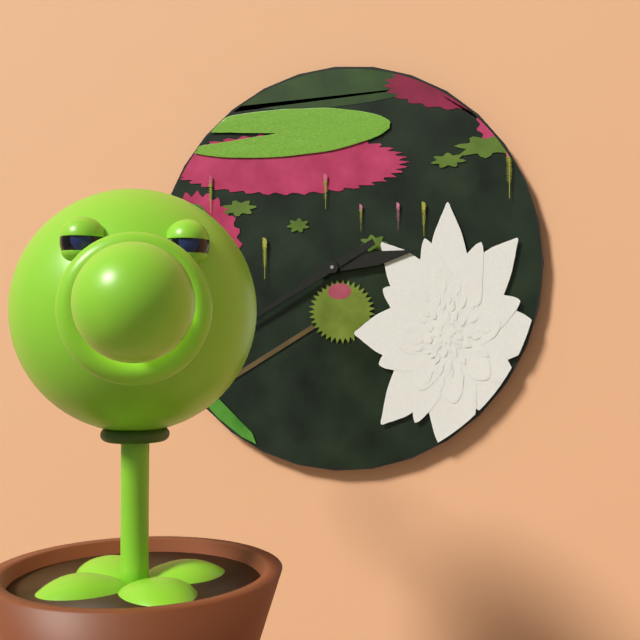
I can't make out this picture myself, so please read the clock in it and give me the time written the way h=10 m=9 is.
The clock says h=2 m=40
